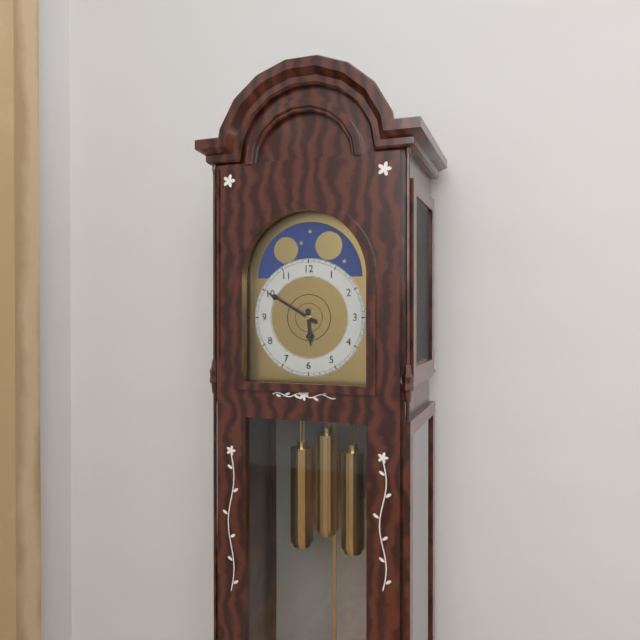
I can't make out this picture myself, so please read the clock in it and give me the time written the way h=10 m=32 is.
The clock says h=5 m=50
